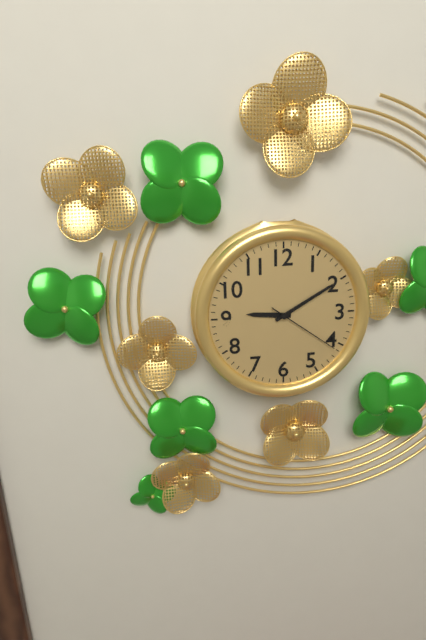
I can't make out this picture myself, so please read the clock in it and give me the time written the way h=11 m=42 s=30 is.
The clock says h=9 m=10 s=21
